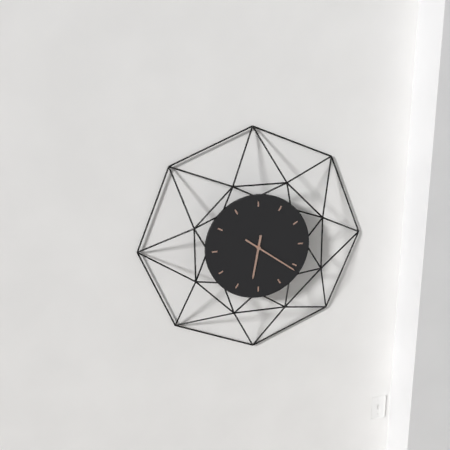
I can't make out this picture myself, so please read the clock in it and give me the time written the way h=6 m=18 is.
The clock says h=6 m=21
